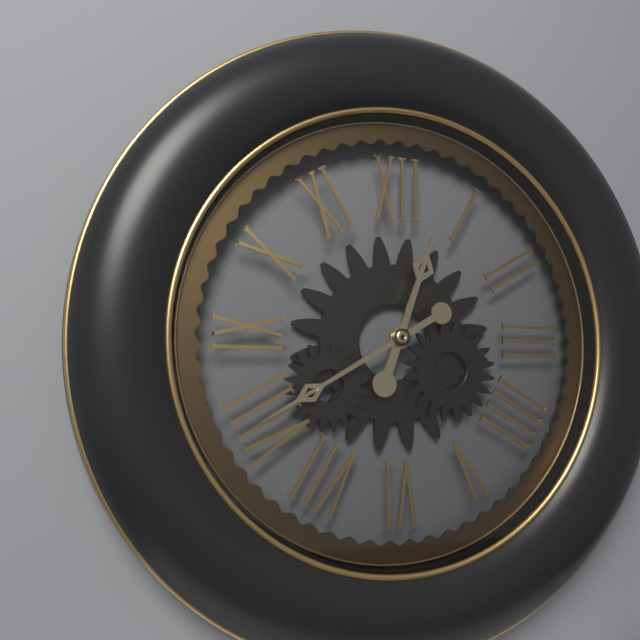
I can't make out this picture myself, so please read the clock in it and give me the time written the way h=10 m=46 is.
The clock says h=12 m=40
